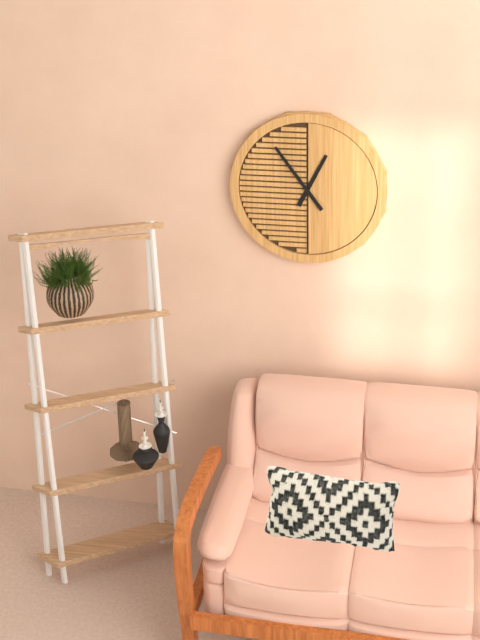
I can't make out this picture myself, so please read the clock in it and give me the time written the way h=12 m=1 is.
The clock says h=12 m=54
